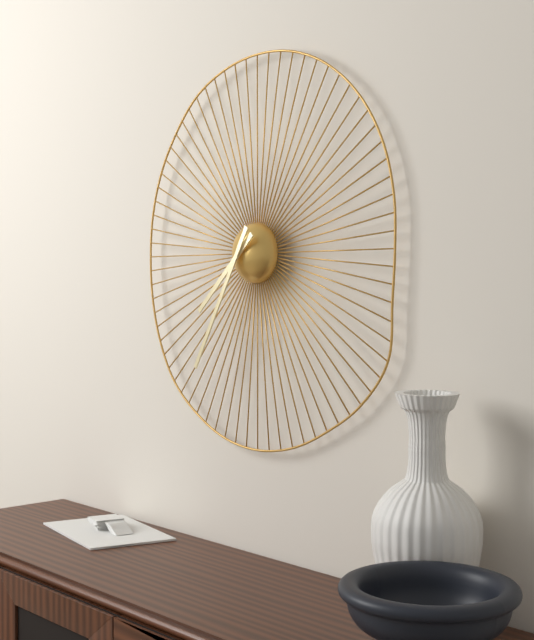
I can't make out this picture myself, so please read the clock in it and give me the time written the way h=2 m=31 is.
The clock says h=7 m=35
